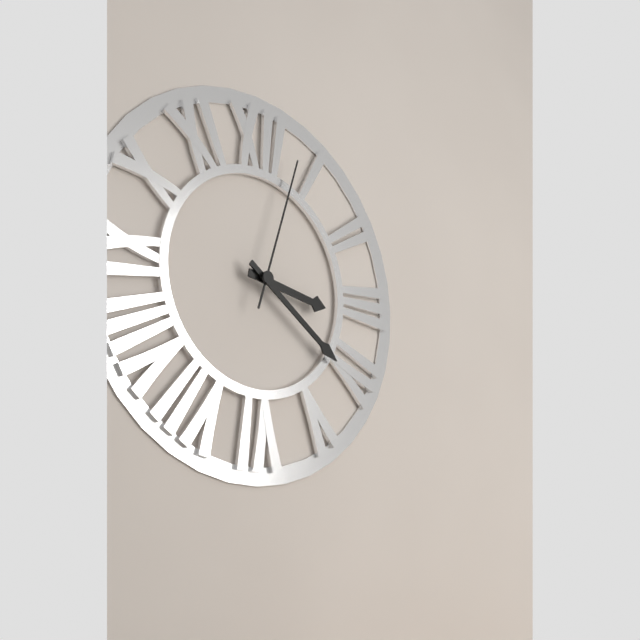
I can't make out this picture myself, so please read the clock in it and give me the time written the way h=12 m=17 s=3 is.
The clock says h=3 m=21 s=3
